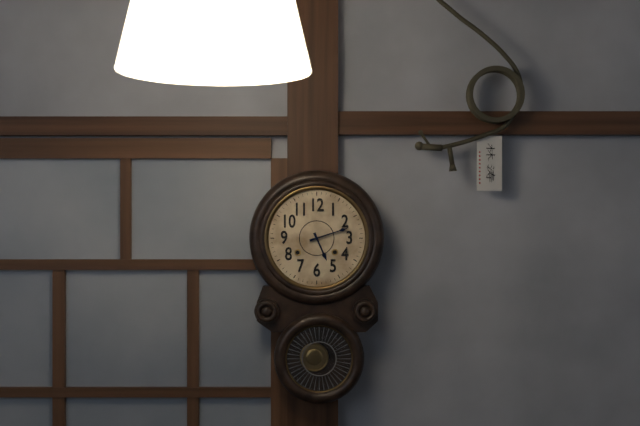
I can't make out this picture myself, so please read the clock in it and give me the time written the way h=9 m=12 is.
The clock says h=5 m=12
